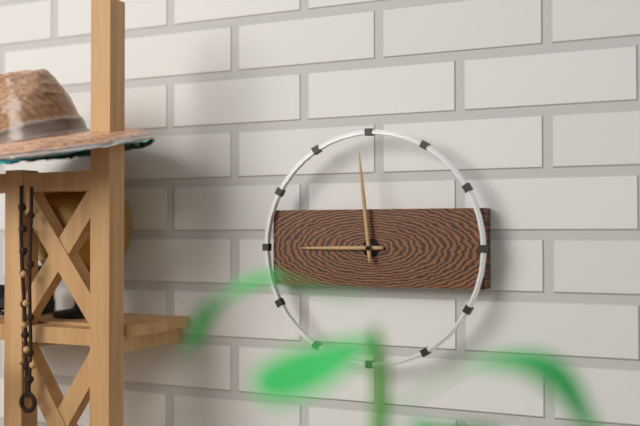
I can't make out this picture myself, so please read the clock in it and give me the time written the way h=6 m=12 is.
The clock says h=8 m=59
